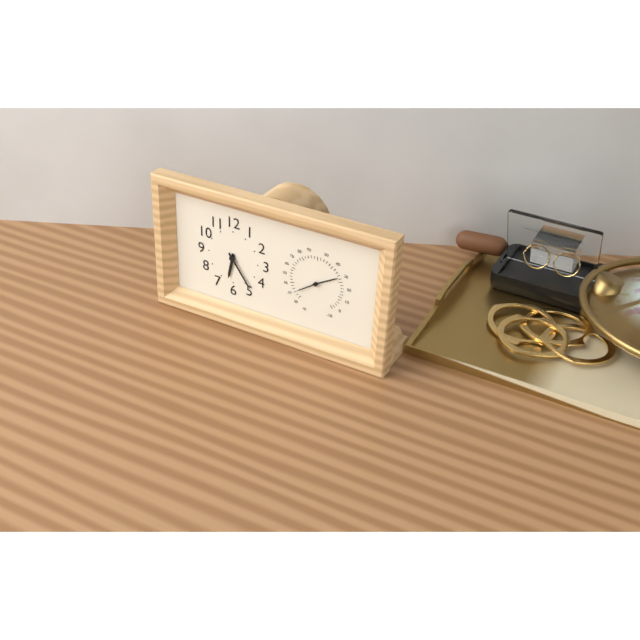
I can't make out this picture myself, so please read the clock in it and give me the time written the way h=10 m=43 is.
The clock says h=6 m=24
